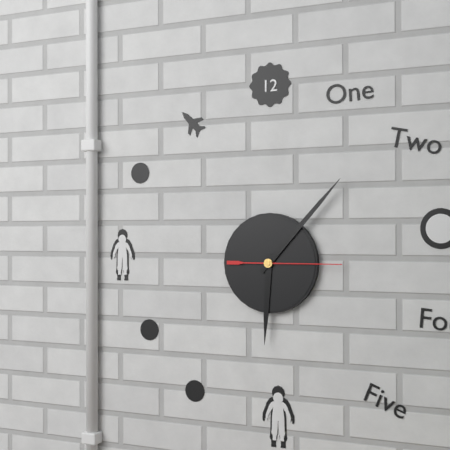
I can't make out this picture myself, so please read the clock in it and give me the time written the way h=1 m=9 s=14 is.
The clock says h=6 m=7 s=15
